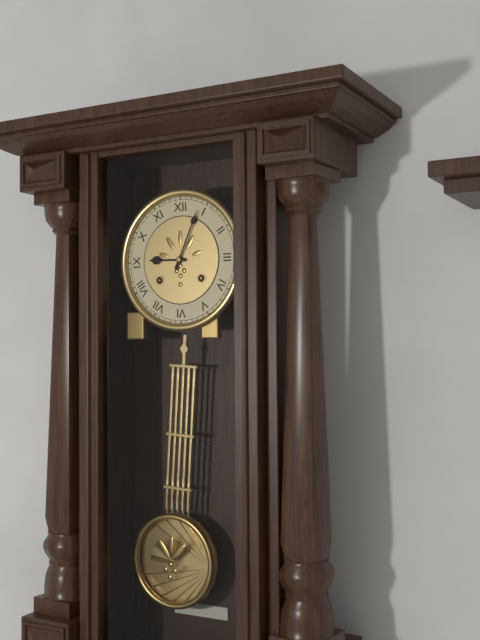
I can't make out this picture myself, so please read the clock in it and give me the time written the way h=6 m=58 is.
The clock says h=9 m=4
